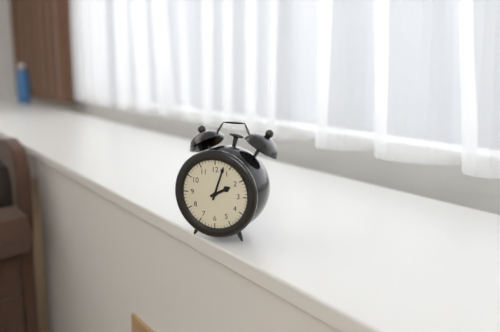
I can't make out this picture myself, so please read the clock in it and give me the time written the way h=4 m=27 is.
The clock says h=2 m=3
